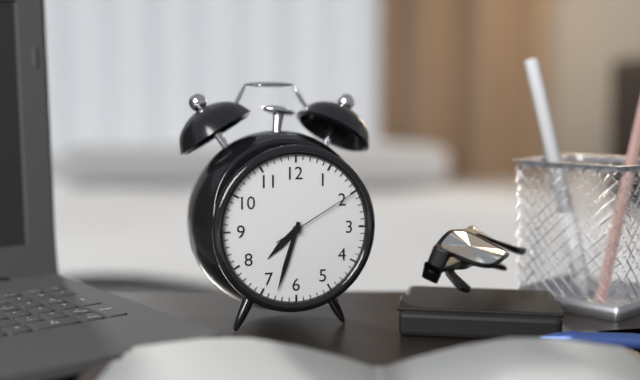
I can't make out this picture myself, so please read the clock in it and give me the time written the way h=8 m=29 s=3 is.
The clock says h=7 m=33 s=10
